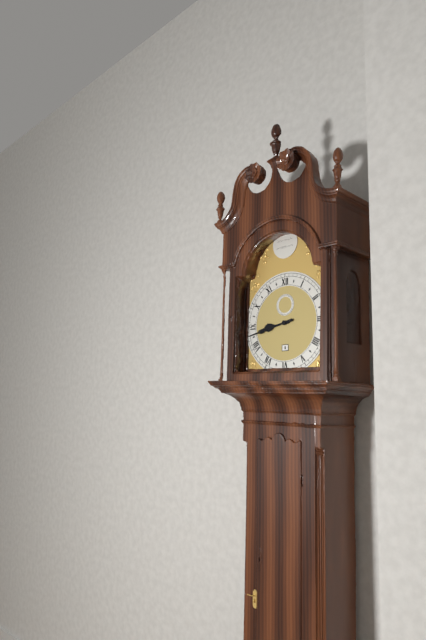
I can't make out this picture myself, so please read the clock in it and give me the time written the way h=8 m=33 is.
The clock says h=8 m=43
